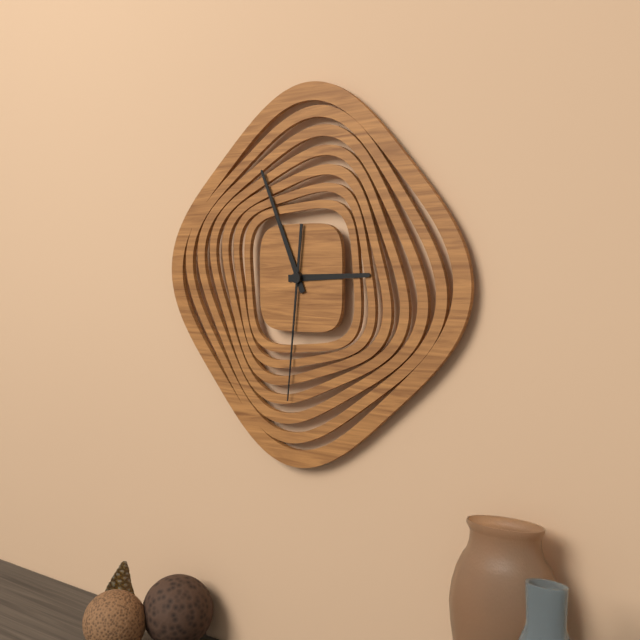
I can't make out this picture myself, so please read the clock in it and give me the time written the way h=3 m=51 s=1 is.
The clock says h=2 m=56 s=31
